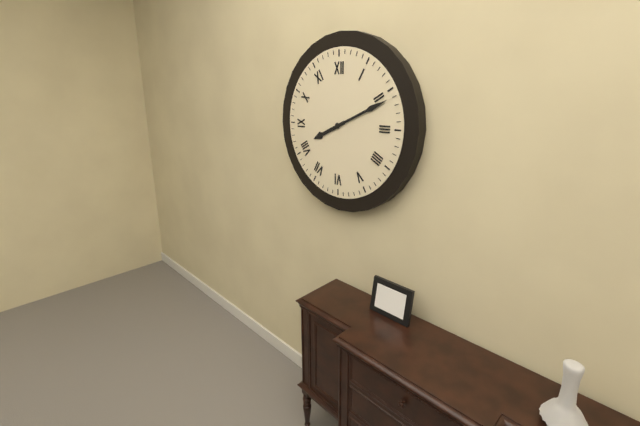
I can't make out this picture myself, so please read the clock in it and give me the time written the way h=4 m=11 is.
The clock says h=8 m=11
